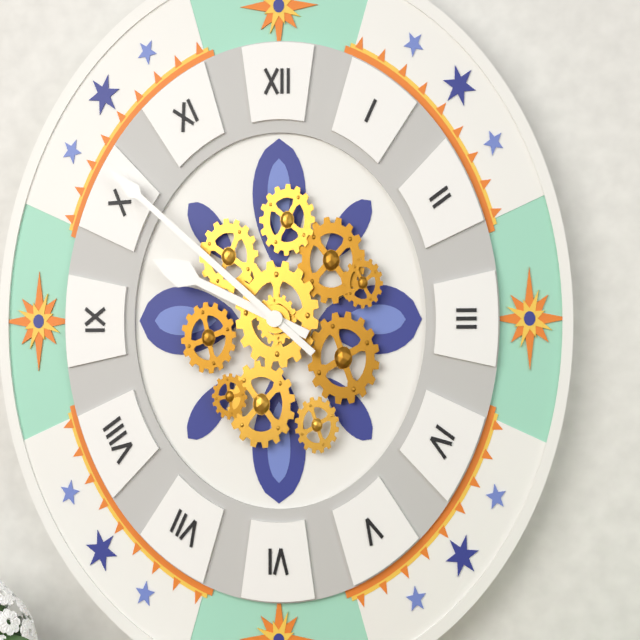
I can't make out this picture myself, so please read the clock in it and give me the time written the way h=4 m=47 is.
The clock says h=9 m=52
